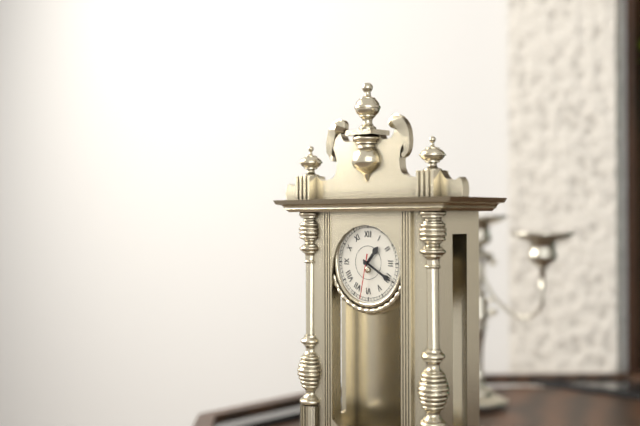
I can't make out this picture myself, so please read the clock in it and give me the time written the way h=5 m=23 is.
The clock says h=1 m=20
